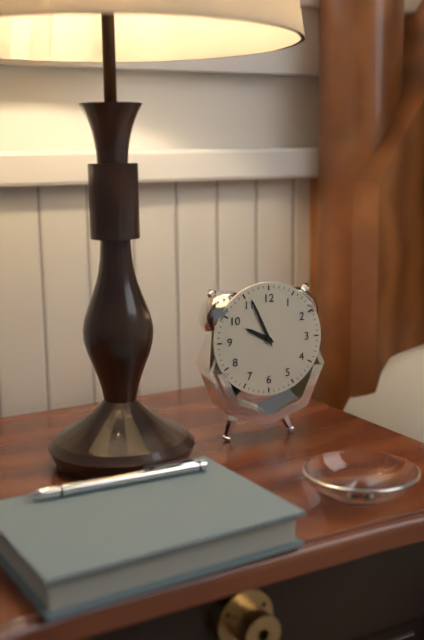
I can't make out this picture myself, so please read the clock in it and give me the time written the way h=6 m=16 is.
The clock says h=9 m=56
